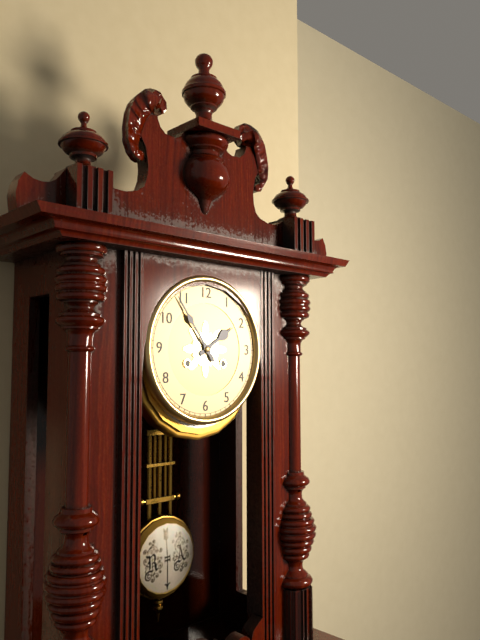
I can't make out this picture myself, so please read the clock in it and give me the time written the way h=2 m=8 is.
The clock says h=1 m=54
